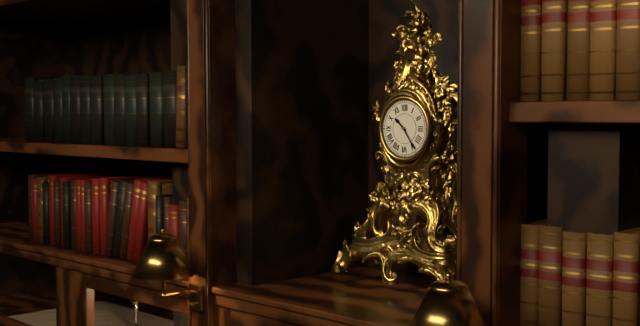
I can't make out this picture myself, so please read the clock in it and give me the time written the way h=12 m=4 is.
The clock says h=10 m=24
